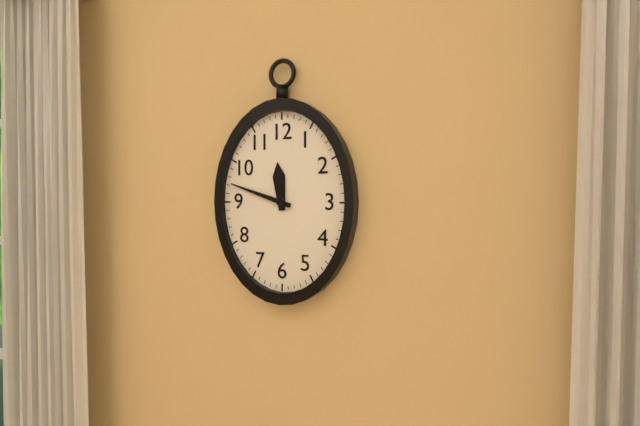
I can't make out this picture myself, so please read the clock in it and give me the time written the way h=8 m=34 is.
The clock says h=11 m=48
